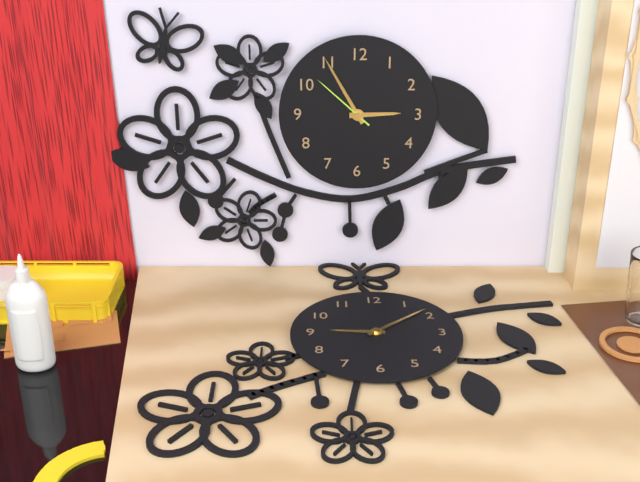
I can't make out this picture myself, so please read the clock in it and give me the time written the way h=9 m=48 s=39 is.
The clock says h=2 m=55 s=52
